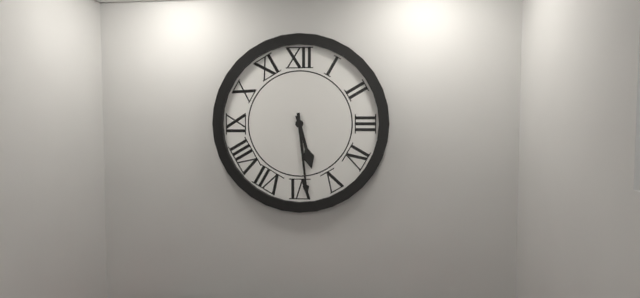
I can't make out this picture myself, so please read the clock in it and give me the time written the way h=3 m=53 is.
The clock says h=5 m=29
